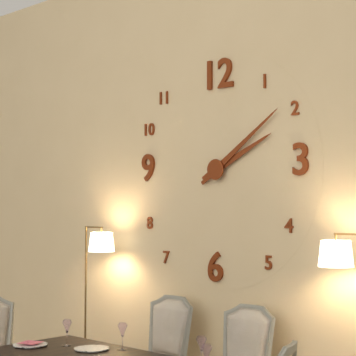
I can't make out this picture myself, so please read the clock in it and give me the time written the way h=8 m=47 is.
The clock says h=2 m=9
